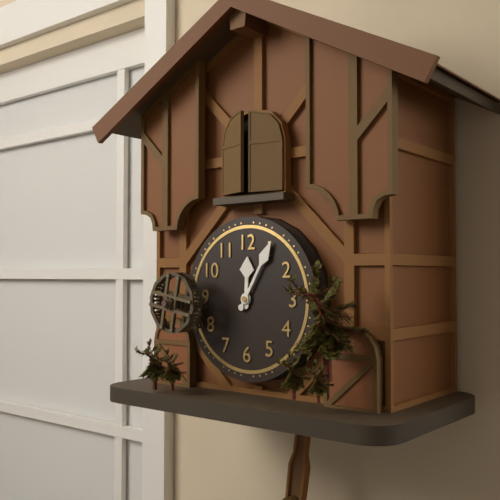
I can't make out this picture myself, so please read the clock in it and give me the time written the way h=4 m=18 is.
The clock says h=12 m=5
